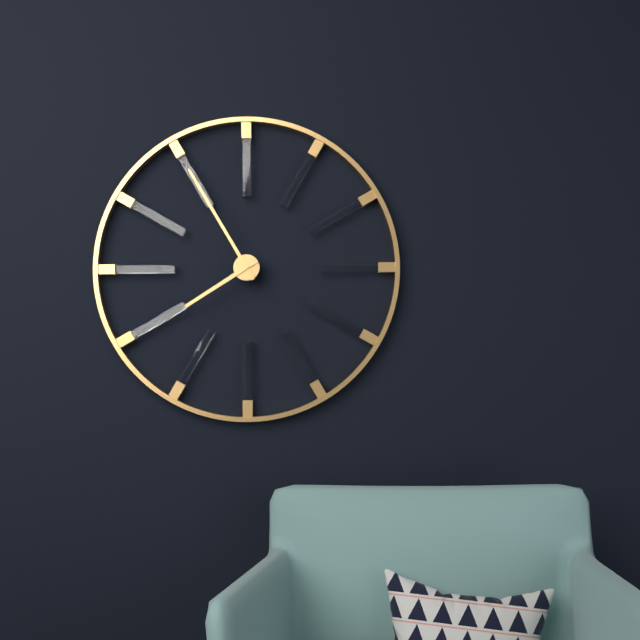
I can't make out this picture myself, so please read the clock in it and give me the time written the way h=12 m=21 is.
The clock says h=7 m=55
